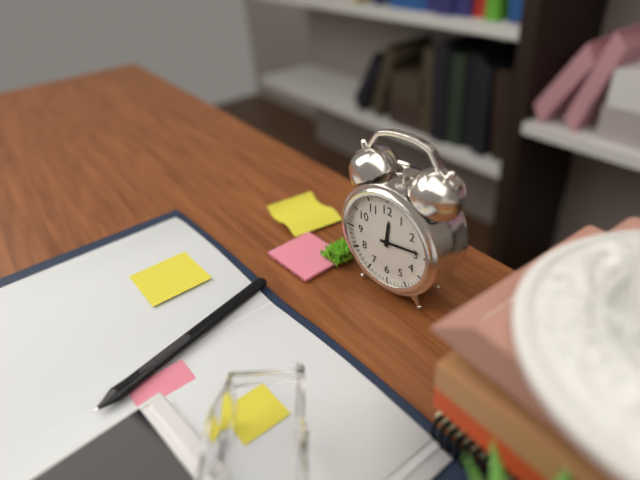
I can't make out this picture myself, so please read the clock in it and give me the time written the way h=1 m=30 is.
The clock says h=12 m=14
